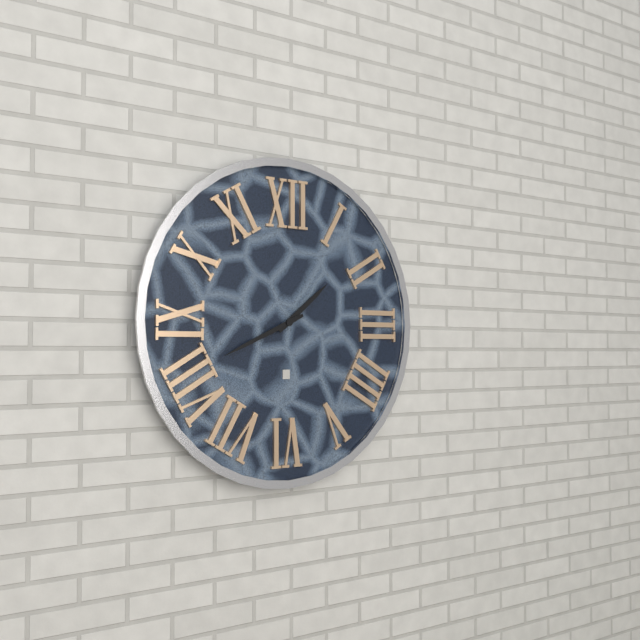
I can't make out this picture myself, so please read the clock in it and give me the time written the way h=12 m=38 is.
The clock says h=1 m=41
